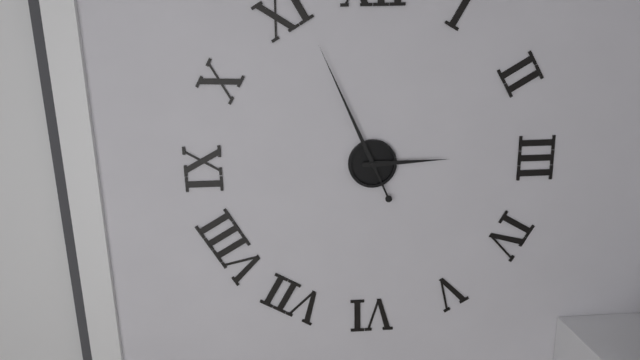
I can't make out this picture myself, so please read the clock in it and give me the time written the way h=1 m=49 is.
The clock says h=2 m=56
